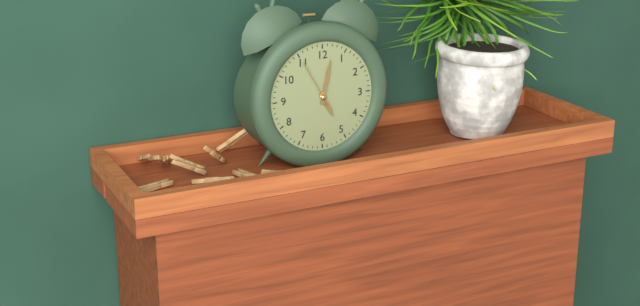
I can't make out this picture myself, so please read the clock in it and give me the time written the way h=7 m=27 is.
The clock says h=5 m=2
